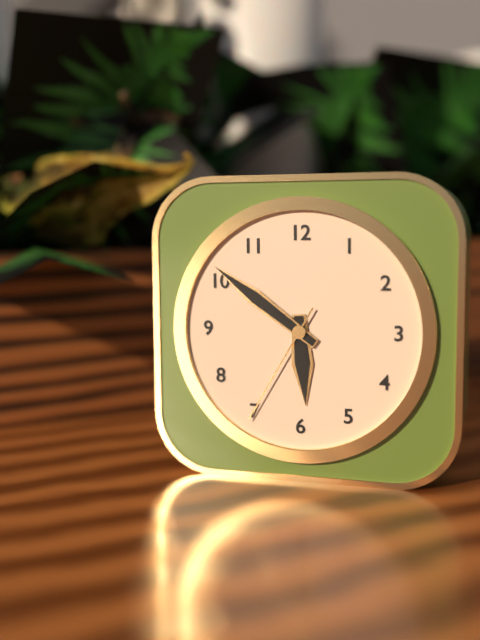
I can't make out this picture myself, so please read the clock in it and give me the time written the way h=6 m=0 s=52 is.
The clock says h=5 m=51 s=35
